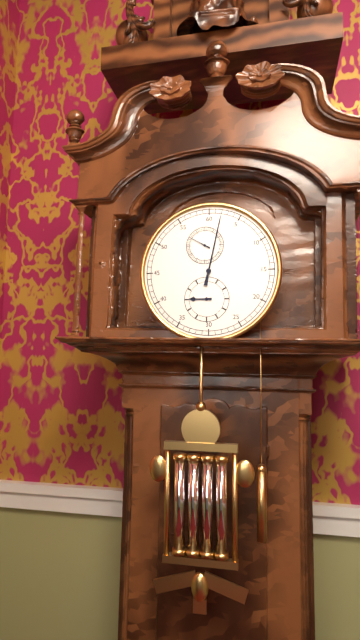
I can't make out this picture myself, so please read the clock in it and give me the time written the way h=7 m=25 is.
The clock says h=9 m=2
